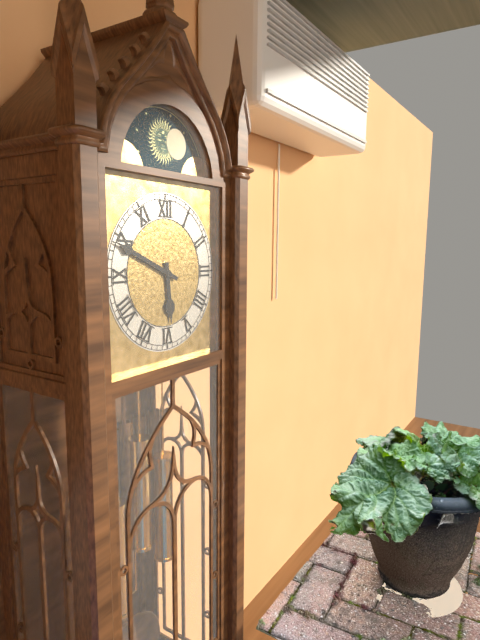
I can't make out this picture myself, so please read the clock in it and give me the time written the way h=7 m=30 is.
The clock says h=5 m=49
